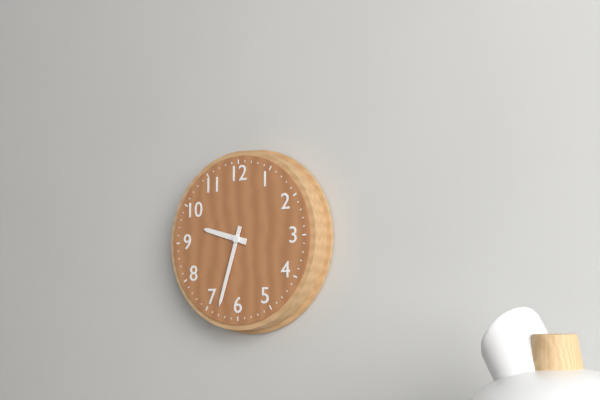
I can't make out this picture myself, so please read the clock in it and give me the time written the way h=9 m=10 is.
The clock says h=9 m=33
